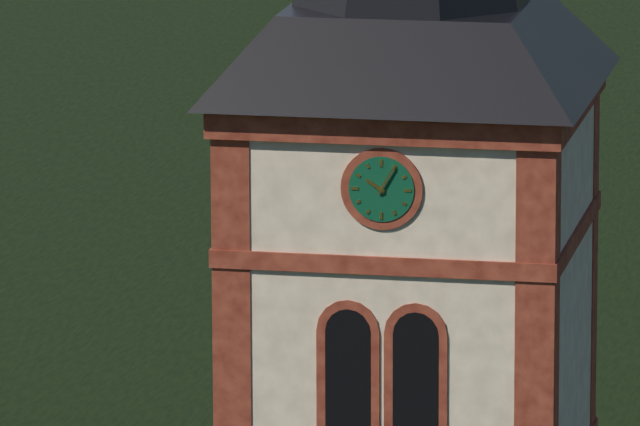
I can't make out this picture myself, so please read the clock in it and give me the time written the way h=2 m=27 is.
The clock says h=10 m=5
